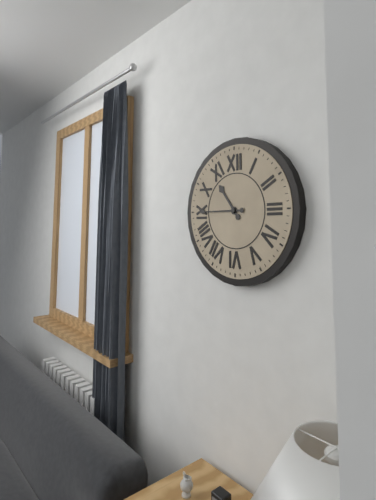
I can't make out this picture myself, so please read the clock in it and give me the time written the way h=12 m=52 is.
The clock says h=10 m=45
